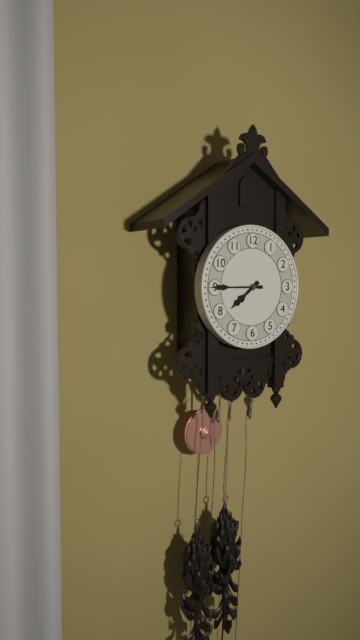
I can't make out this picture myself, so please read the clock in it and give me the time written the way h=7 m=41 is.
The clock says h=7 m=45
